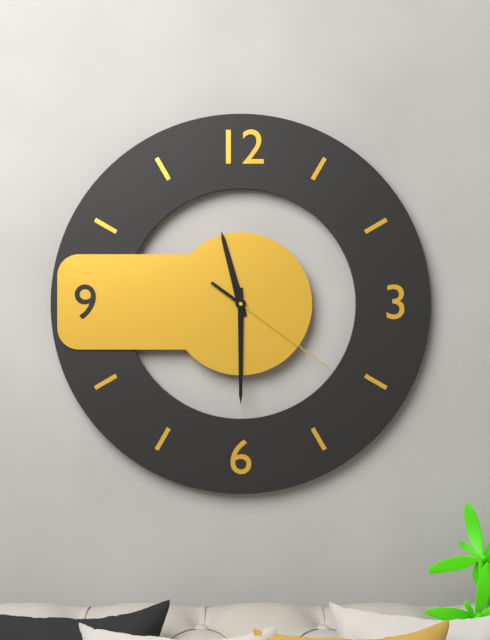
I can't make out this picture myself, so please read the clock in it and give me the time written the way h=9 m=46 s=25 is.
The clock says h=11 m=30 s=21
